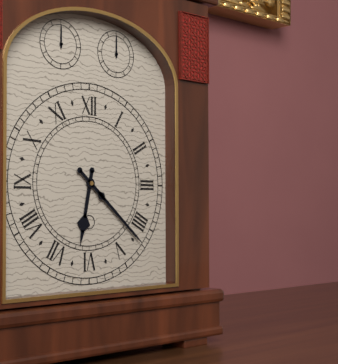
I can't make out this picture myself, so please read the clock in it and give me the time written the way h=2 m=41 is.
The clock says h=6 m=22
